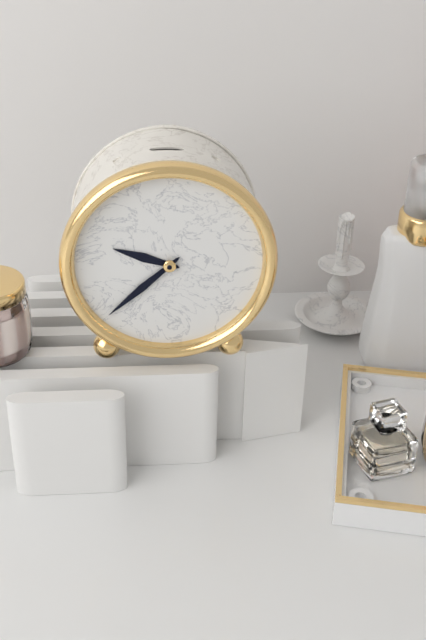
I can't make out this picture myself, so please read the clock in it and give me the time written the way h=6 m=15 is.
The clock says h=9 m=38
